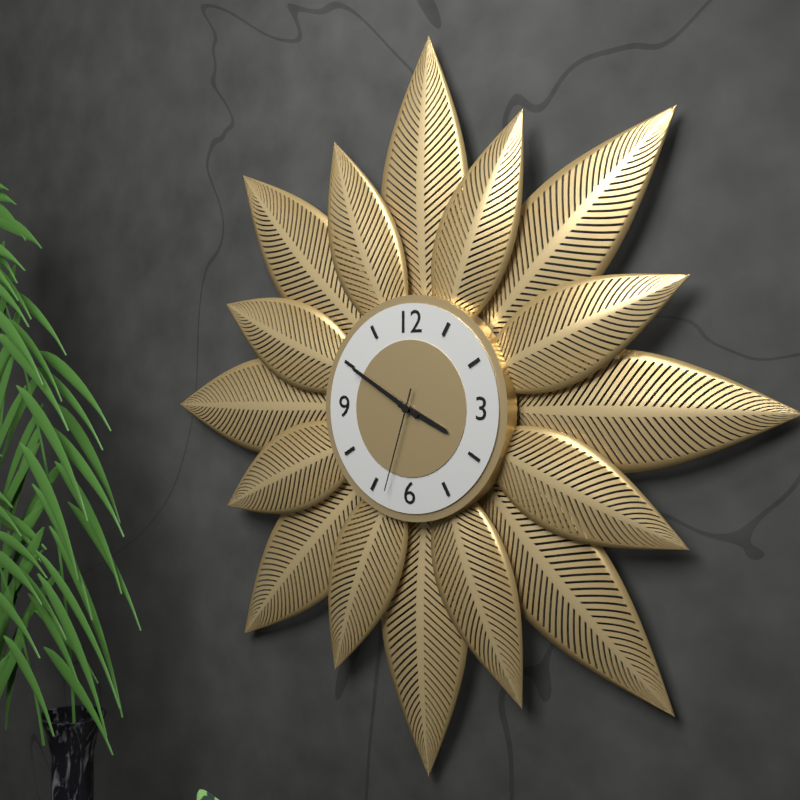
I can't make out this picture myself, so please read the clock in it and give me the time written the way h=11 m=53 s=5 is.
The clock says h=3 m=50 s=33
